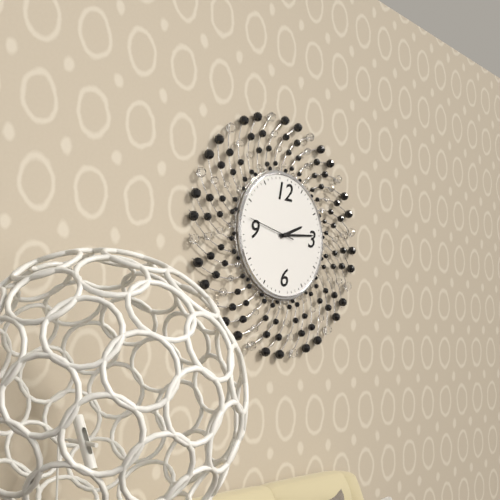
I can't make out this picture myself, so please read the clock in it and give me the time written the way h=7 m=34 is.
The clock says h=2 m=14
